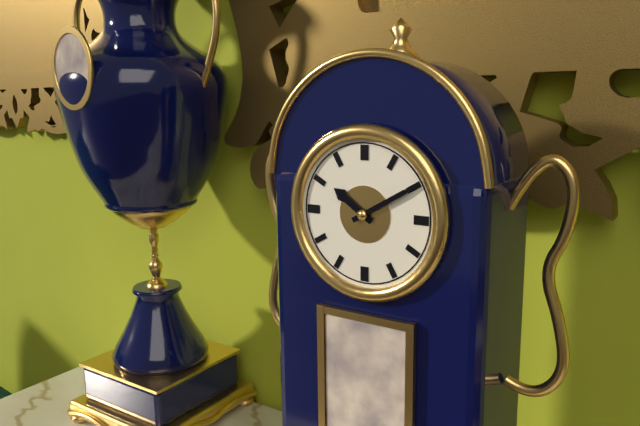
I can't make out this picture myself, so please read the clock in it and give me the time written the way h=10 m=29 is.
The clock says h=10 m=10
